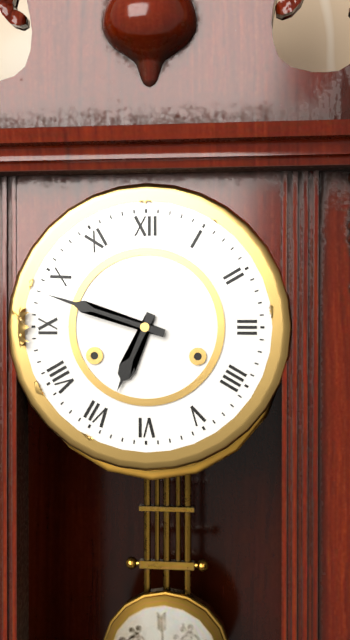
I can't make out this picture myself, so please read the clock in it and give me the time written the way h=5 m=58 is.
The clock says h=6 m=48
